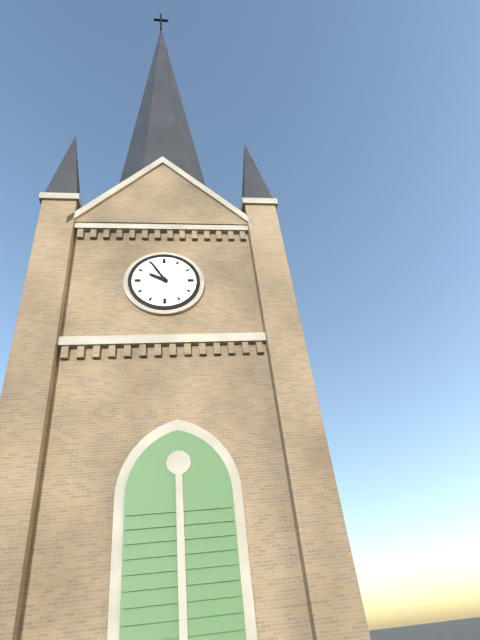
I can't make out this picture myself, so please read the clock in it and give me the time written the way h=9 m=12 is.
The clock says h=9 m=55
